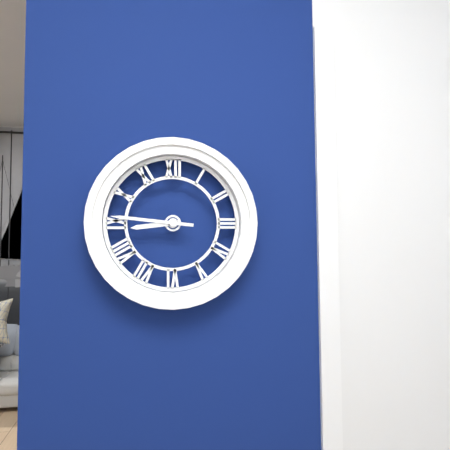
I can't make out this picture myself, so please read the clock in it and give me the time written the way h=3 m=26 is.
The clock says h=8 m=46
